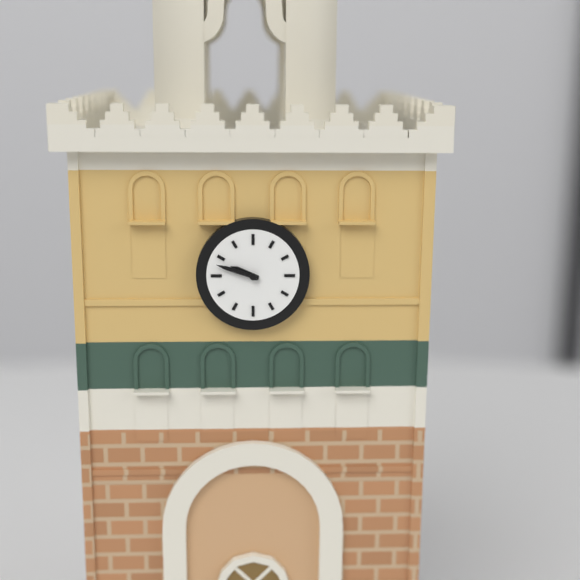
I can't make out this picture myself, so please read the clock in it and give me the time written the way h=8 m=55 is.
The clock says h=9 m=48
